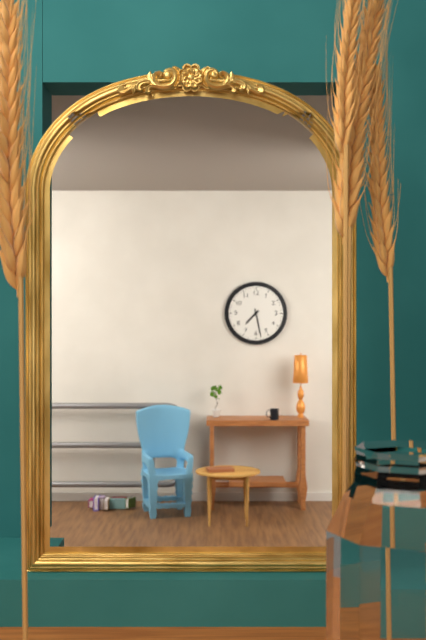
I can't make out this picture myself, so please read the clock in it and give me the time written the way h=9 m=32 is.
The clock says h=7 m=28
